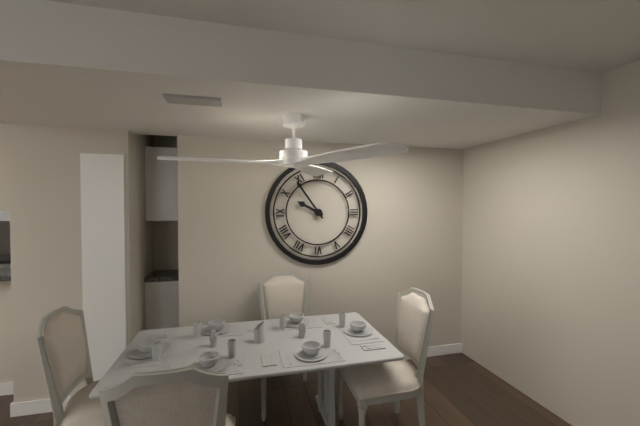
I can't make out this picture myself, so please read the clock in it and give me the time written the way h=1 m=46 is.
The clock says h=9 m=54
